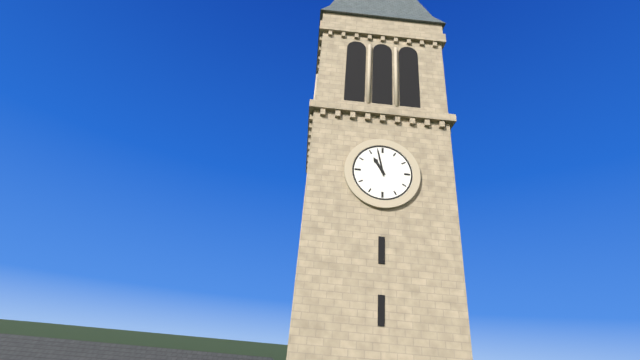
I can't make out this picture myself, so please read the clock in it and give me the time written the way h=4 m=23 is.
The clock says h=10 m=58
